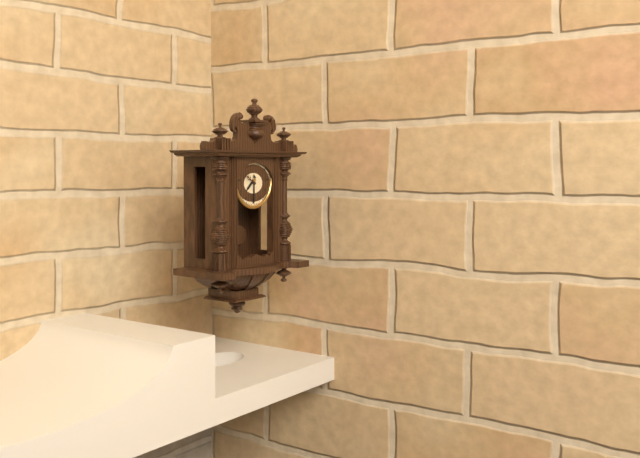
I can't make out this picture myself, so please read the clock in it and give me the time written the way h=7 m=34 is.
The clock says h=7 m=30
